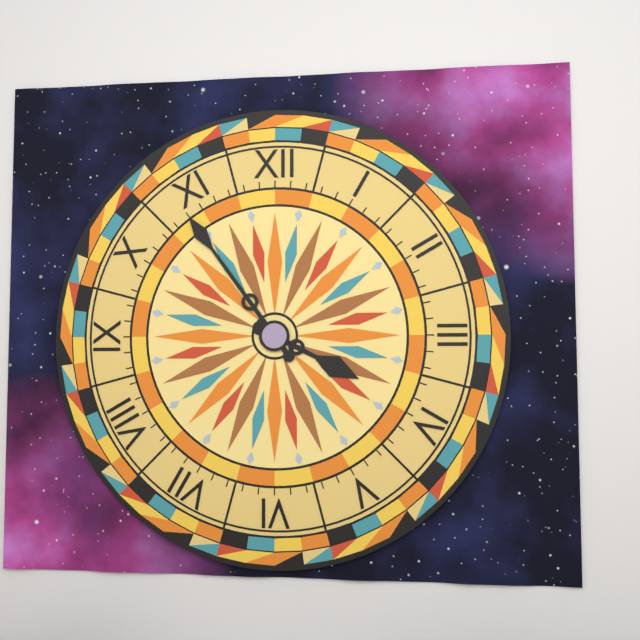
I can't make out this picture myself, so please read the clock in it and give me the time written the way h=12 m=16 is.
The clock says h=3 m=54
